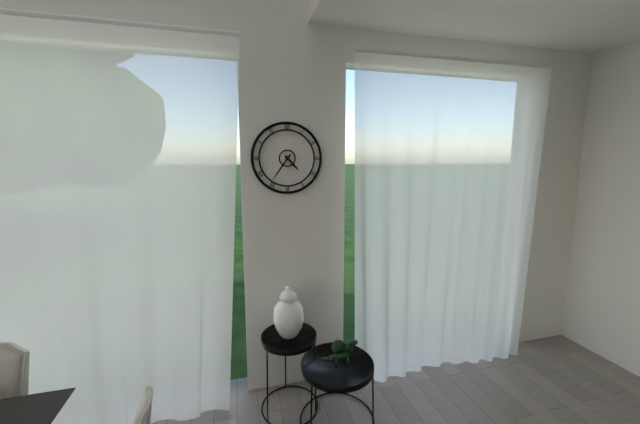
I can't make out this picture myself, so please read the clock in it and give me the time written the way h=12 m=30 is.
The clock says h=4 m=36
